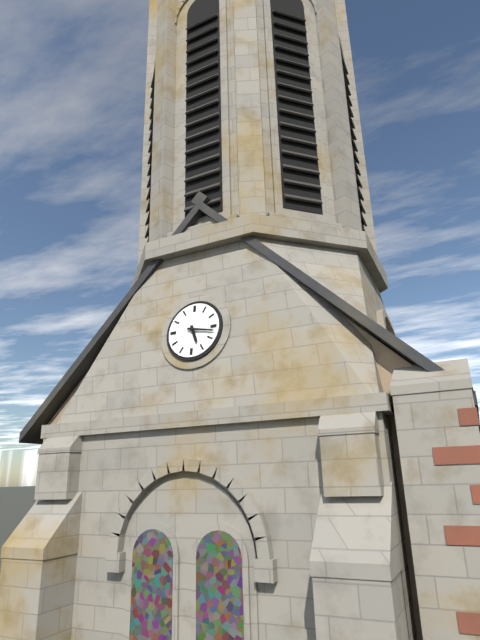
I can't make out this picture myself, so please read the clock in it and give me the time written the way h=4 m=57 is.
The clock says h=5 m=17
